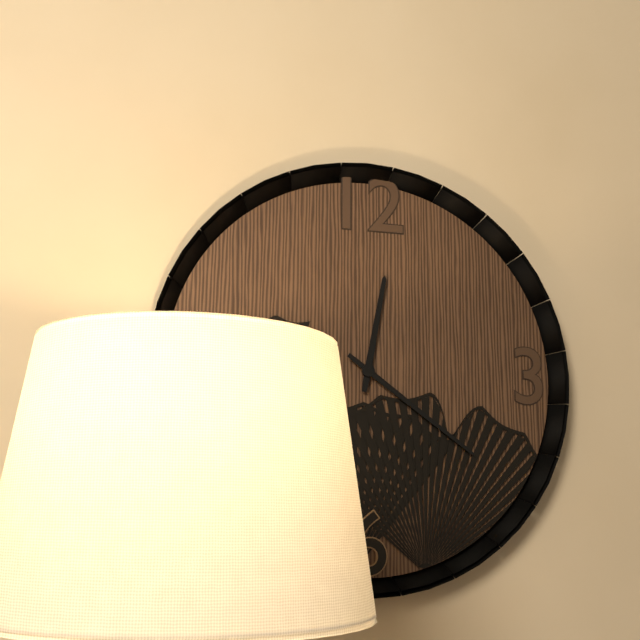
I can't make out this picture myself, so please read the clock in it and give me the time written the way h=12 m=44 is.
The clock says h=12 m=21
